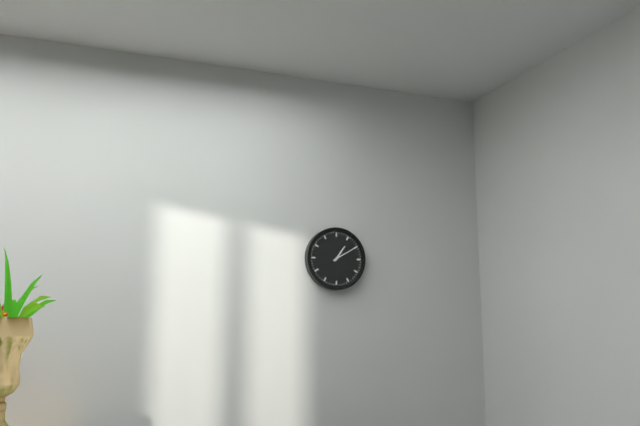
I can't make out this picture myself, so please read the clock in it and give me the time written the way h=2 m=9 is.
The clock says h=1 m=10
